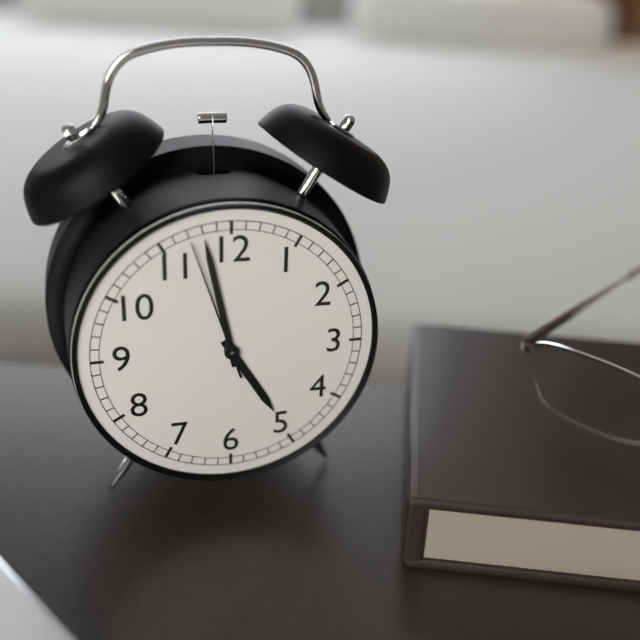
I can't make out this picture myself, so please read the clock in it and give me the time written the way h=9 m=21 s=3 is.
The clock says h=4 m=58 s=57
